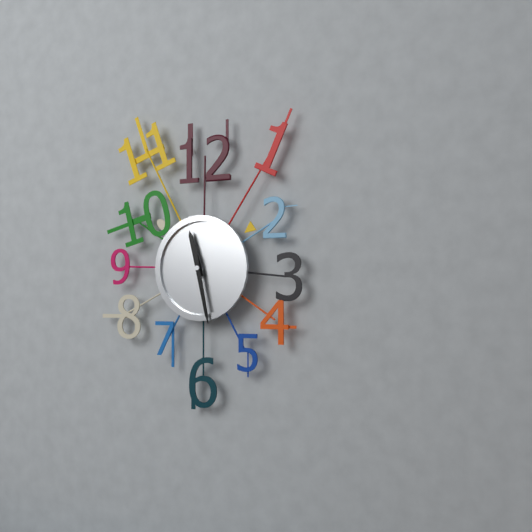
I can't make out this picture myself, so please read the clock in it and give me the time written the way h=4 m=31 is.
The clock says h=11 m=28
